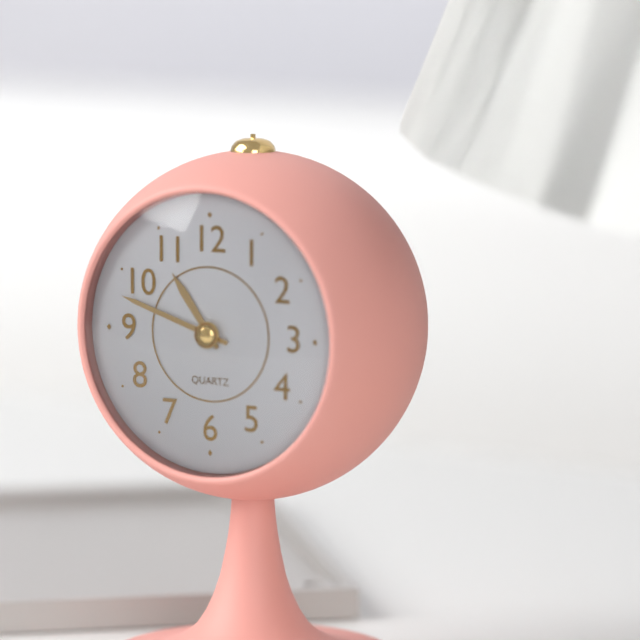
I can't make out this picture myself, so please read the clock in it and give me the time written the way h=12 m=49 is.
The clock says h=10 m=48
